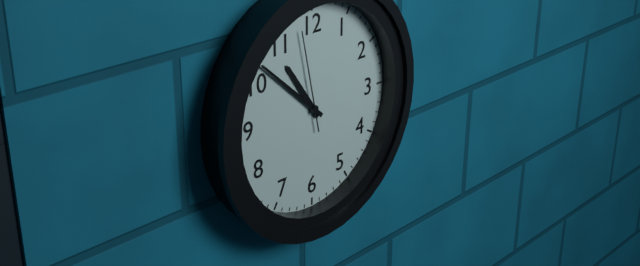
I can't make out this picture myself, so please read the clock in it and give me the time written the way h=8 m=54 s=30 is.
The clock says h=10 m=52 s=58
